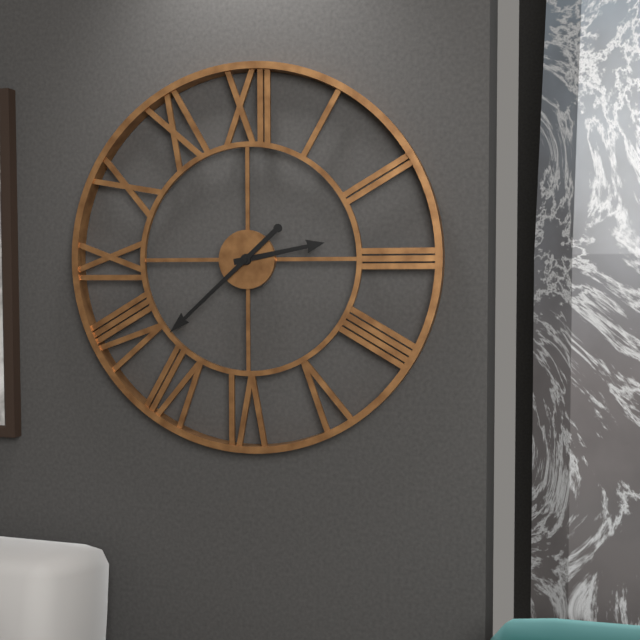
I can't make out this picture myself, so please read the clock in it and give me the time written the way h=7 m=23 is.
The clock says h=2 m=38
